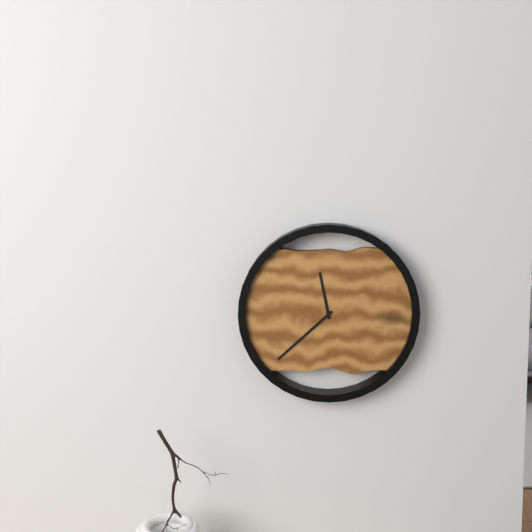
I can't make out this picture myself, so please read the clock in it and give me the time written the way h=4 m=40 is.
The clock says h=11 m=38
